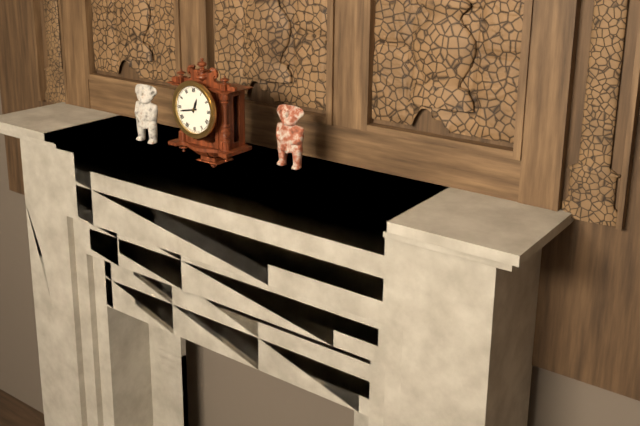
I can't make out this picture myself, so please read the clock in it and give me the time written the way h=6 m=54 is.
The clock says h=12 m=43
